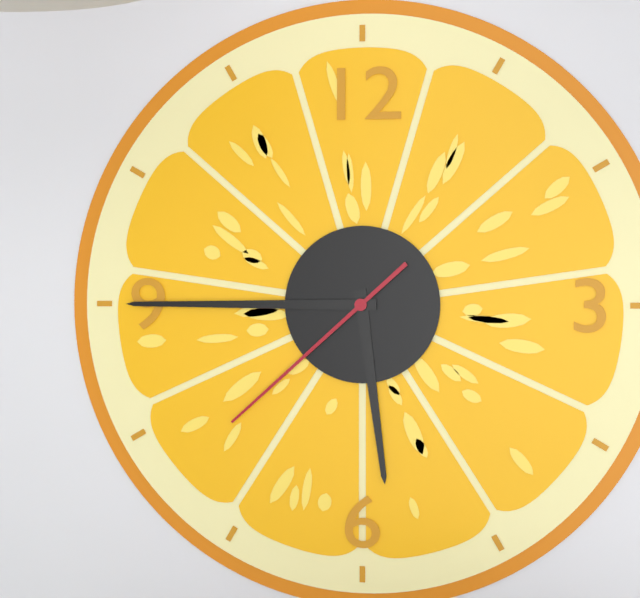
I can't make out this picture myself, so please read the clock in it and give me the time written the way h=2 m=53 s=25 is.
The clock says h=5 m=45 s=38
